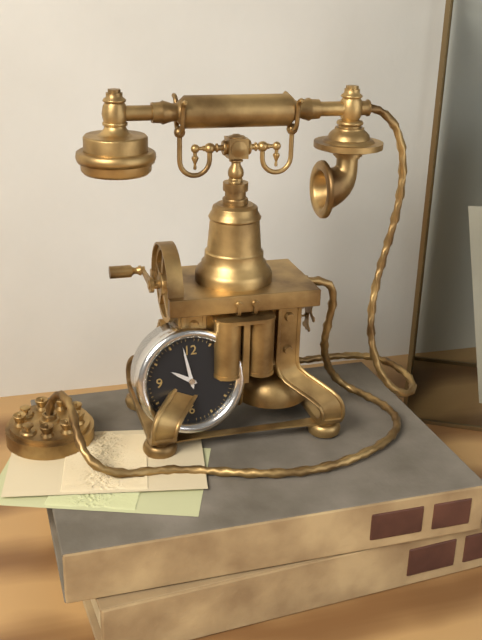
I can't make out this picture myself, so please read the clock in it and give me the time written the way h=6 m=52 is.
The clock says h=9 m=58
